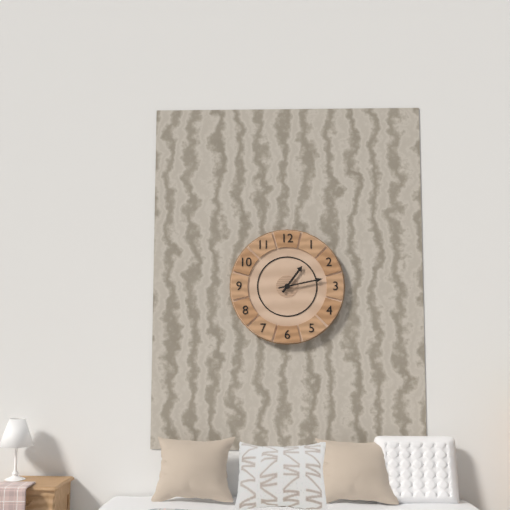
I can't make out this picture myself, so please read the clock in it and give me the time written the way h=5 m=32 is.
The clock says h=1 m=13
